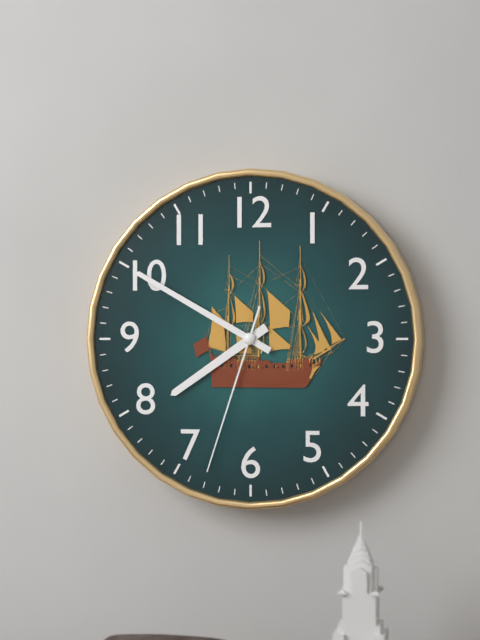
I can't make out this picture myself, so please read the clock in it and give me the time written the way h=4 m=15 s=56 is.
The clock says h=7 m=50 s=33
